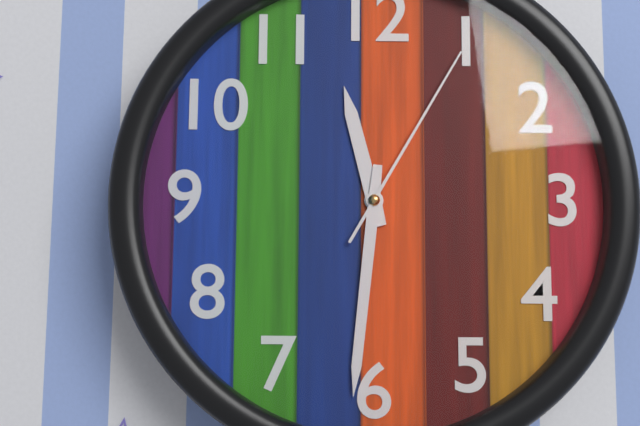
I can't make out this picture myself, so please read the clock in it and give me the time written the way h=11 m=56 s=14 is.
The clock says h=11 m=31 s=5
